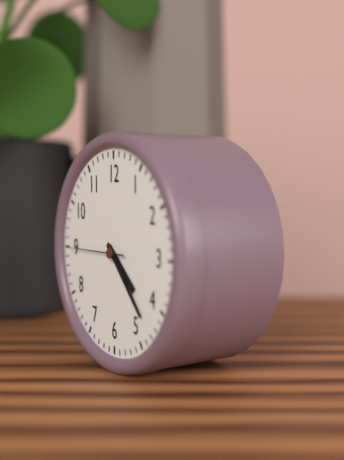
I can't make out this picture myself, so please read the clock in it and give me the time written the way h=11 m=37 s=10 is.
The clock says h=4 m=23 s=45
